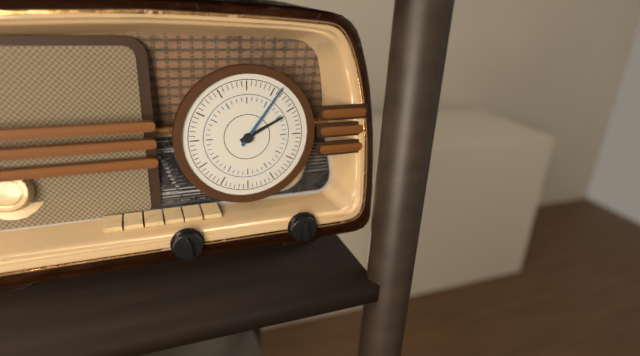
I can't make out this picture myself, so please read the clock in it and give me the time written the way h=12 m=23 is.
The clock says h=2 m=6
